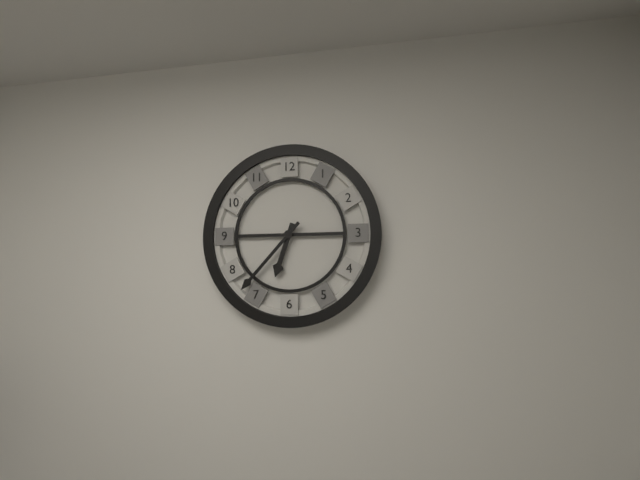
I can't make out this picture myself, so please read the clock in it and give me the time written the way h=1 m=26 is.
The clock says h=6 m=37
